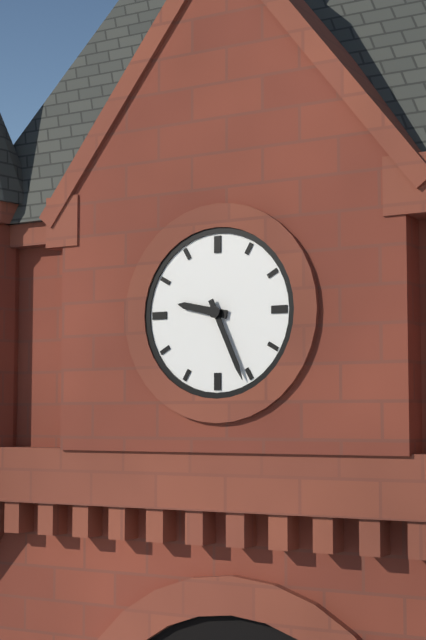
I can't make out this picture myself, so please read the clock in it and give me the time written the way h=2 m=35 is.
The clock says h=9 m=26
